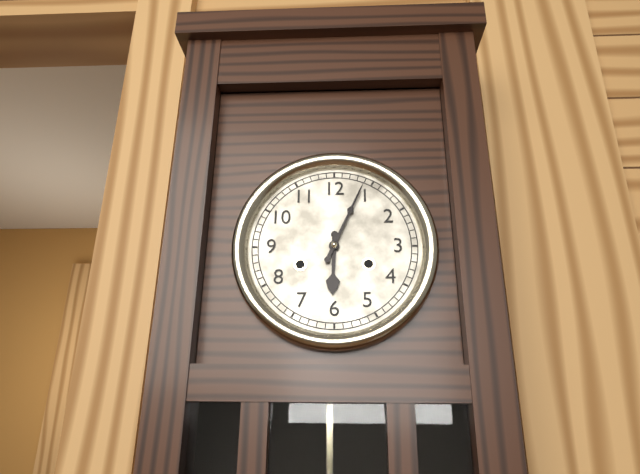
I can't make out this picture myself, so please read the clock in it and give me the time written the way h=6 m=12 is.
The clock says h=6 m=4
